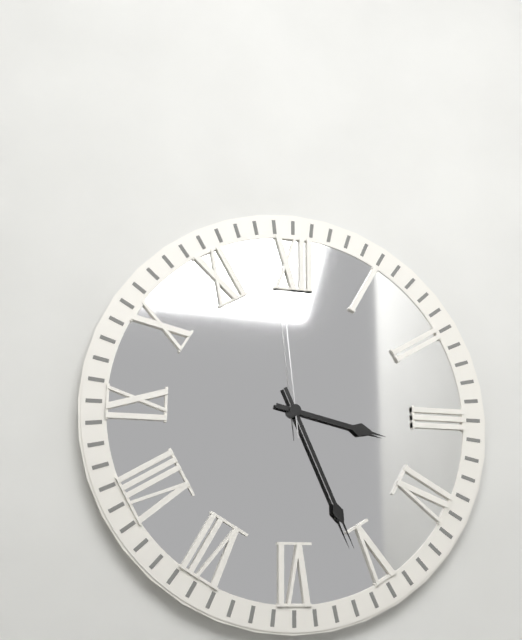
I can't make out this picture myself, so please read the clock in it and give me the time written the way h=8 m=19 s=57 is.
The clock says h=3 m=26 s=59
